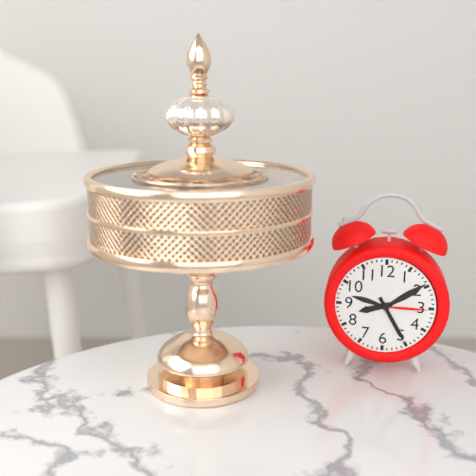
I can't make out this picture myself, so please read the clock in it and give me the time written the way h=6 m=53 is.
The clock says h=8 m=25
